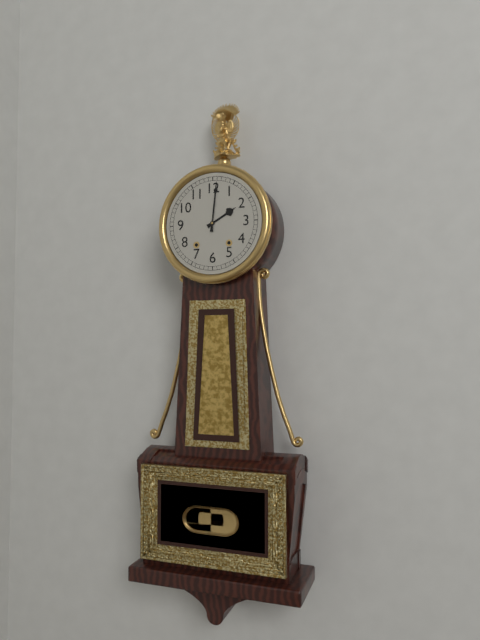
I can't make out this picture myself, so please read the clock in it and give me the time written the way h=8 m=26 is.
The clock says h=2 m=1
